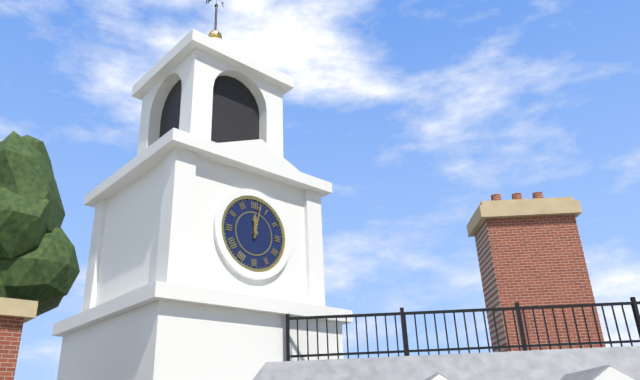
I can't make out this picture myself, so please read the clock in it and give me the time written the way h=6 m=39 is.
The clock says h=12 m=2
